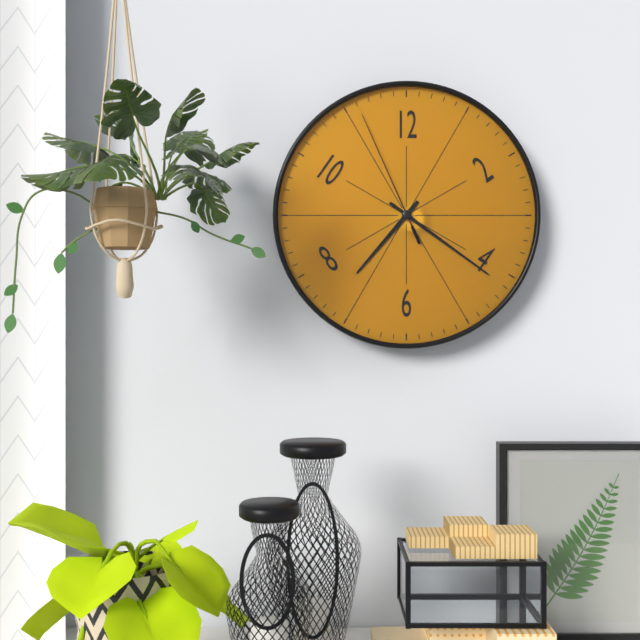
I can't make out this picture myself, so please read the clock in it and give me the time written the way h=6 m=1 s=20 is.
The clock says h=7 m=21 s=56
